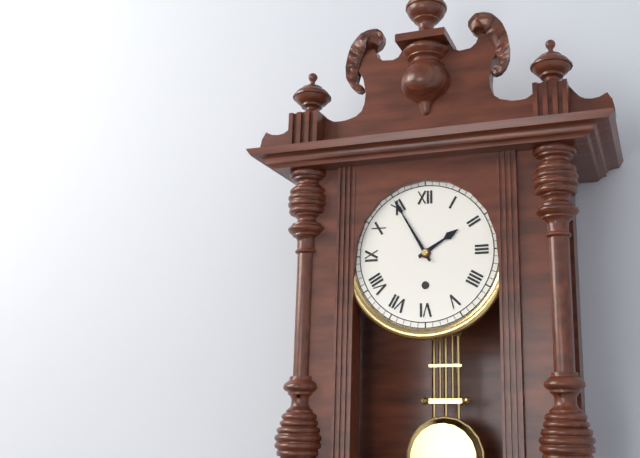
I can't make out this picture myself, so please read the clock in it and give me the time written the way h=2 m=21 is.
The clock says h=1 m=55
